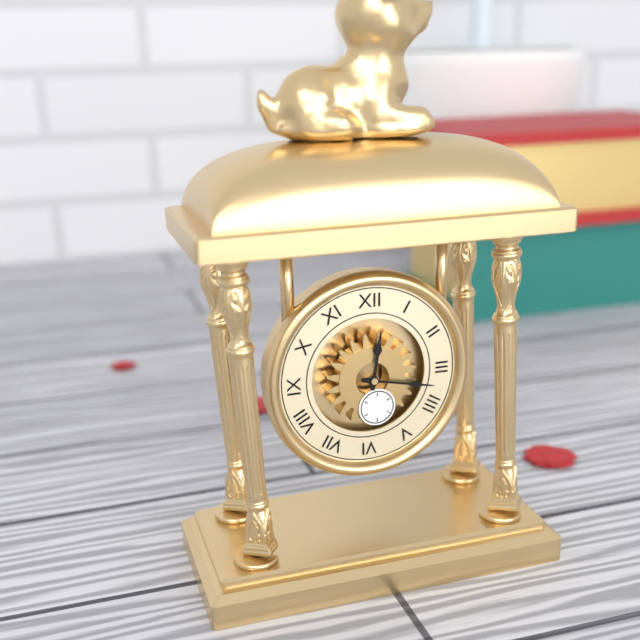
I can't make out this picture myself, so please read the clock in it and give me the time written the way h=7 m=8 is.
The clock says h=12 m=17
